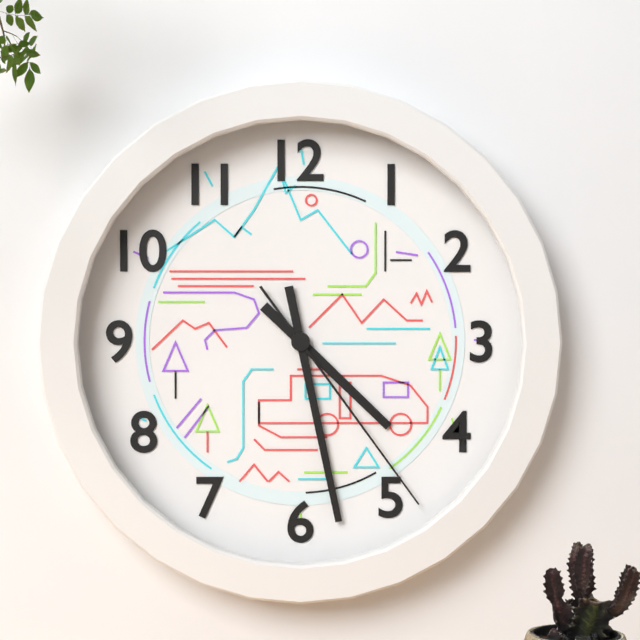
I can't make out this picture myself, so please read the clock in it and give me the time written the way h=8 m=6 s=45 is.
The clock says h=4 m=28 s=24
